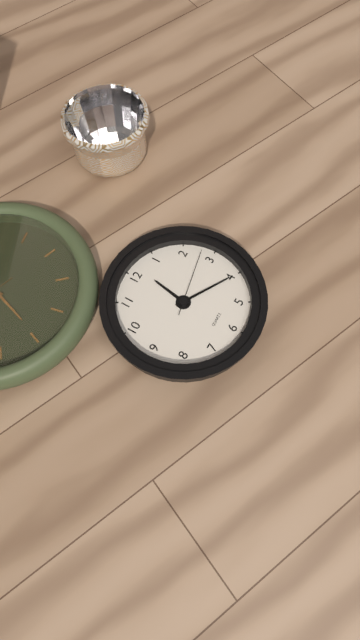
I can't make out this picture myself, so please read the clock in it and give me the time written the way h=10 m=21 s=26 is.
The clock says h=12 m=20 s=13
